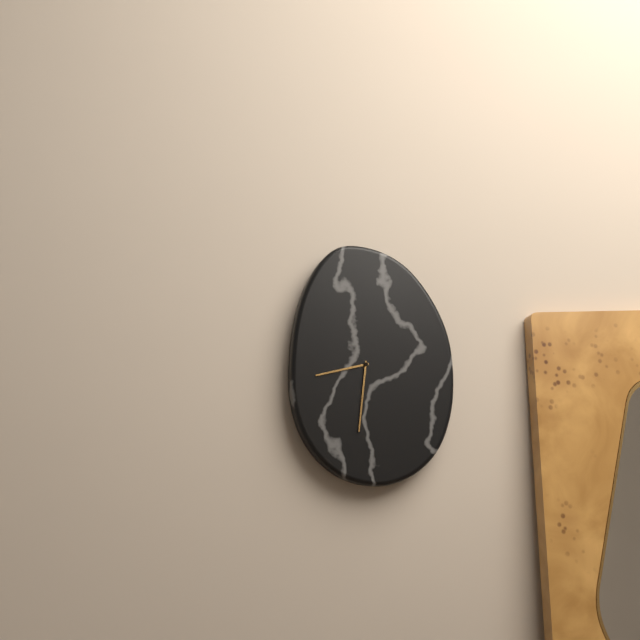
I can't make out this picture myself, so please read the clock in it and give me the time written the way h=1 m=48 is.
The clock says h=8 m=31
